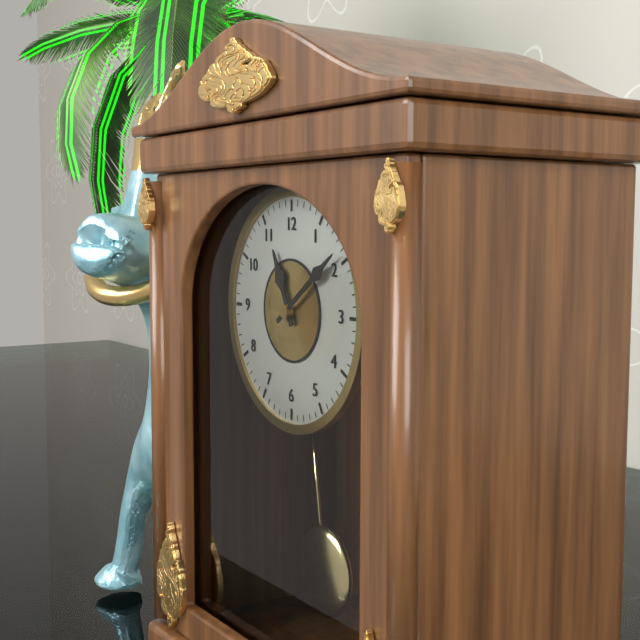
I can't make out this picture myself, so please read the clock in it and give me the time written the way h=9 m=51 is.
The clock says h=11 m=9
